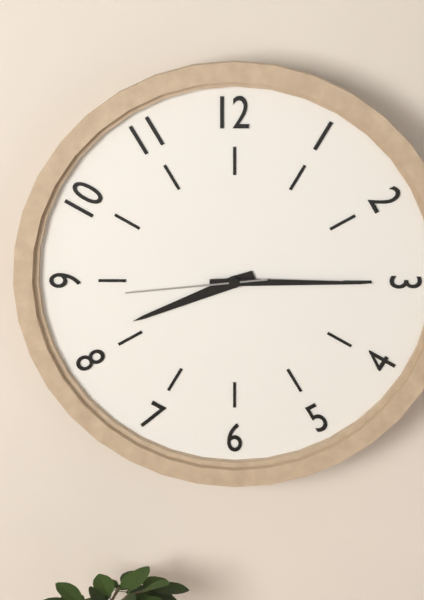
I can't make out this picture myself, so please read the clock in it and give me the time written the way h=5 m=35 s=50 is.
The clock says h=8 m=15 s=44
